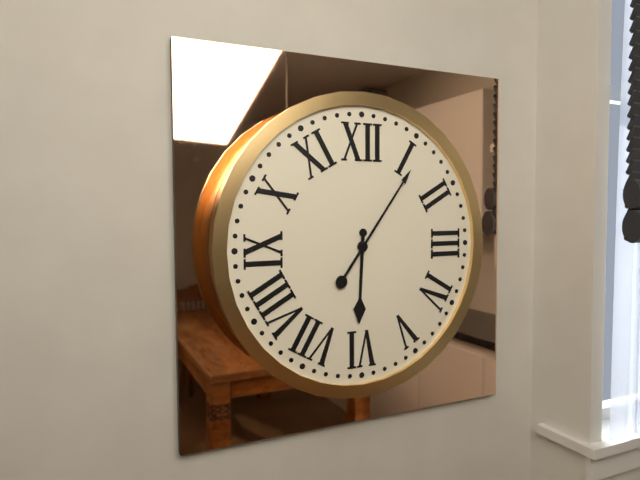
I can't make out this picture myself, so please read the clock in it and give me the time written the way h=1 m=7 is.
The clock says h=6 m=6
